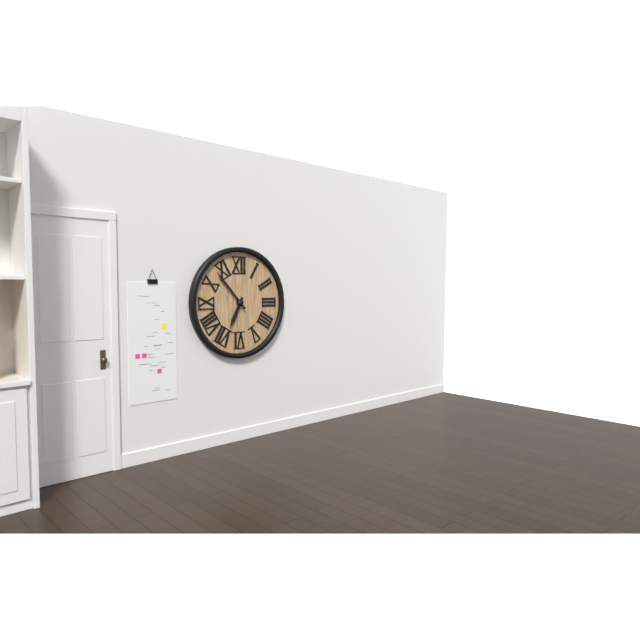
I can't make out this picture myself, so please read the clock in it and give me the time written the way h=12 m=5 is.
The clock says h=6 m=53
